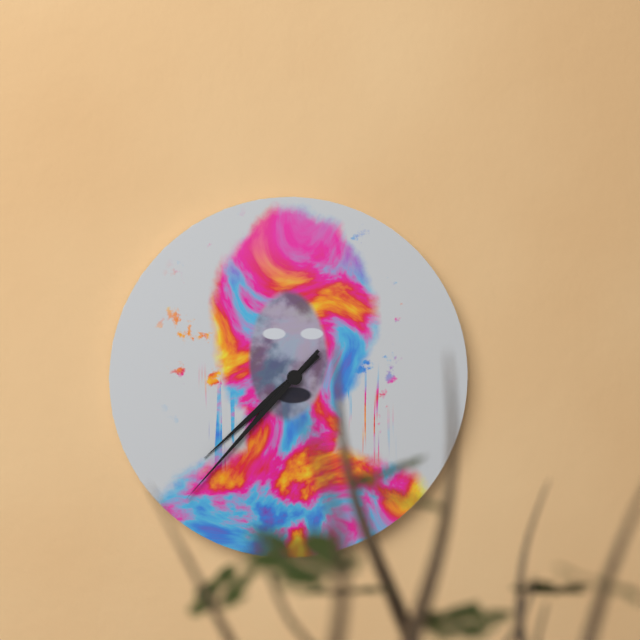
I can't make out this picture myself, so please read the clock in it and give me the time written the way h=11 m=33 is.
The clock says h=7 m=37
